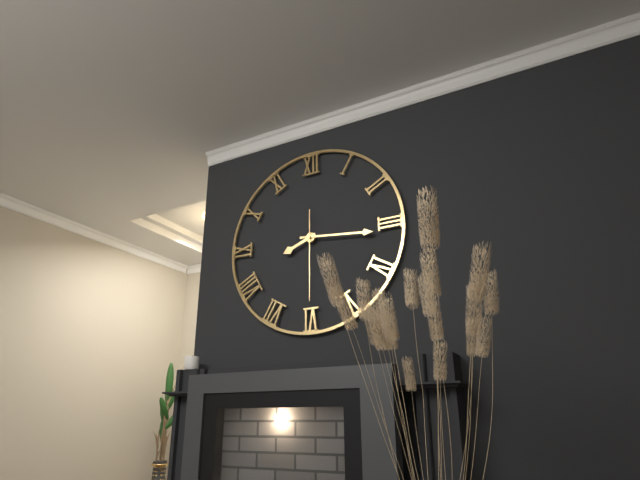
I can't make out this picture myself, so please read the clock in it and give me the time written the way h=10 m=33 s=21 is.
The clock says h=8 m=16 s=30
